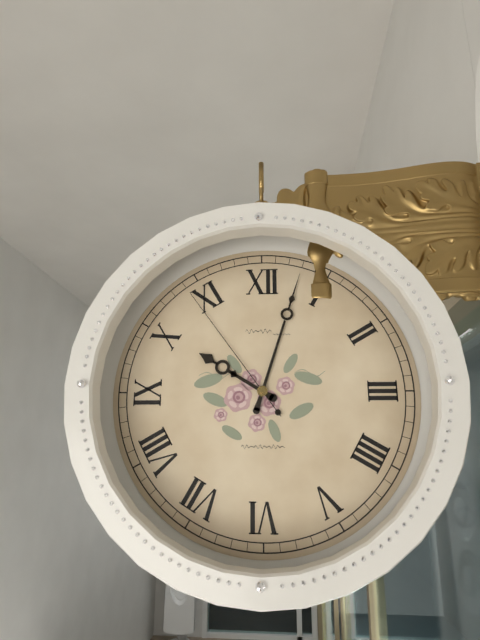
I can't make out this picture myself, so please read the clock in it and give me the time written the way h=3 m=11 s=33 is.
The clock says h=10 m=3 s=54
